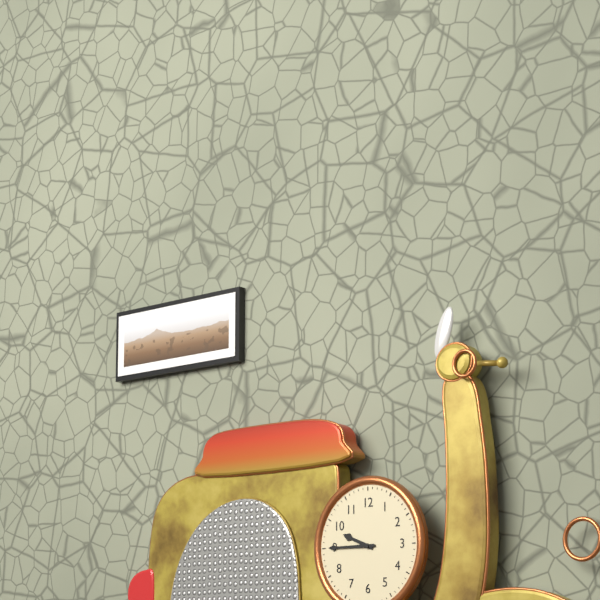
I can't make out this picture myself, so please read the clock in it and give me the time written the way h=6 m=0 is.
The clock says h=9 m=45
